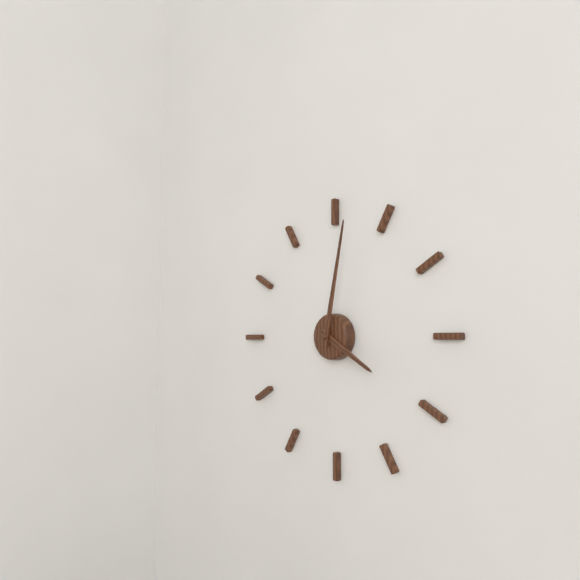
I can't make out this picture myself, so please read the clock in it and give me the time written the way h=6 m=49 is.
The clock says h=4 m=2
